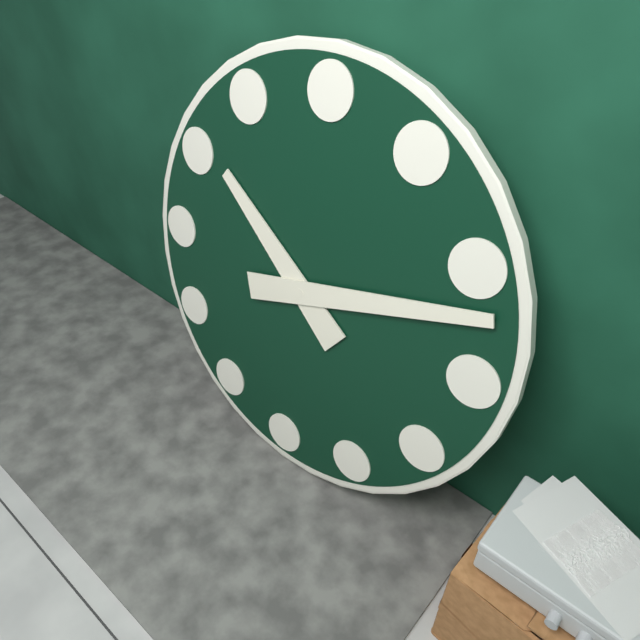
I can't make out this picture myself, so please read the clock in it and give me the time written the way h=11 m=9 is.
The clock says h=10 m=12
